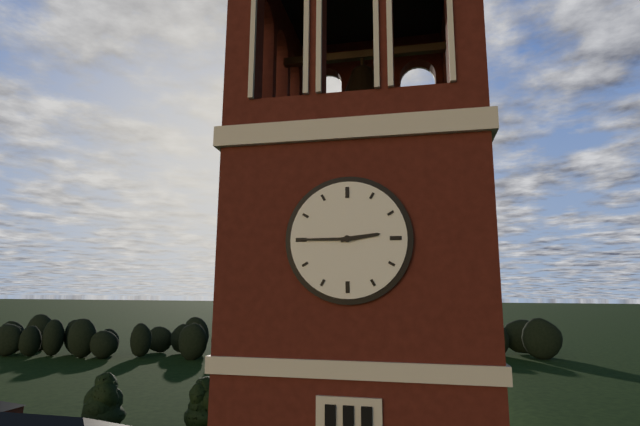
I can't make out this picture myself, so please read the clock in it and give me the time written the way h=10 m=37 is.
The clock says h=2 m=45
